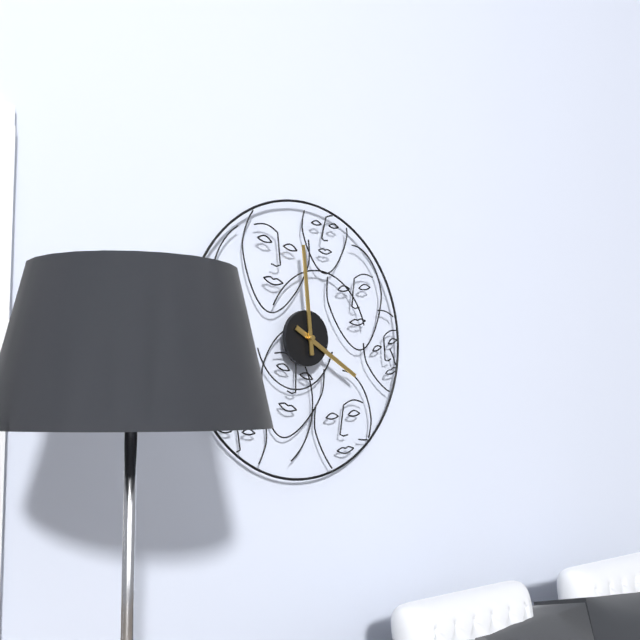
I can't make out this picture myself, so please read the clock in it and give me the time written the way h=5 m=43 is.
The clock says h=3 m=59
